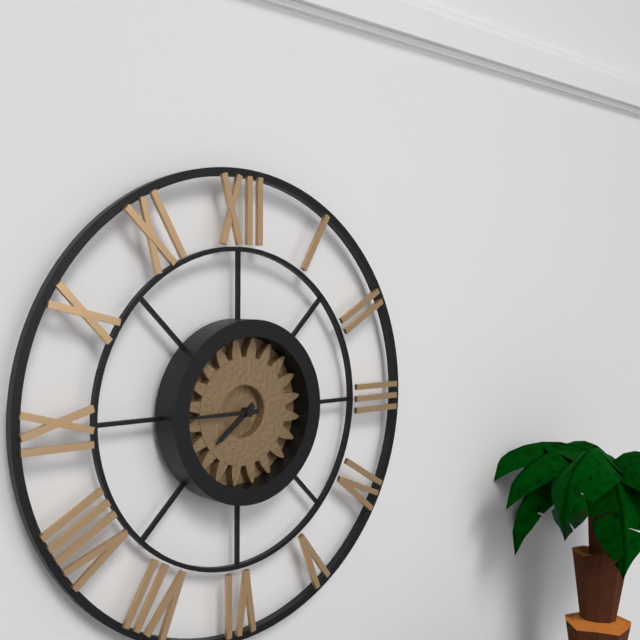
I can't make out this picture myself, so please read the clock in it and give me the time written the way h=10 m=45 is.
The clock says h=7 m=45
